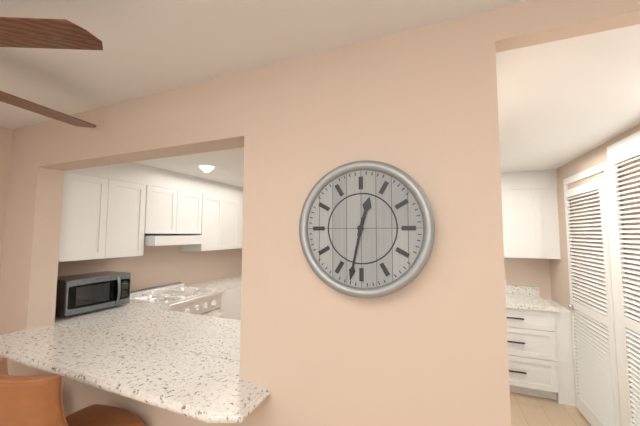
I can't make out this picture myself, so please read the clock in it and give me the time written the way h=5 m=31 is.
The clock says h=12 m=32
